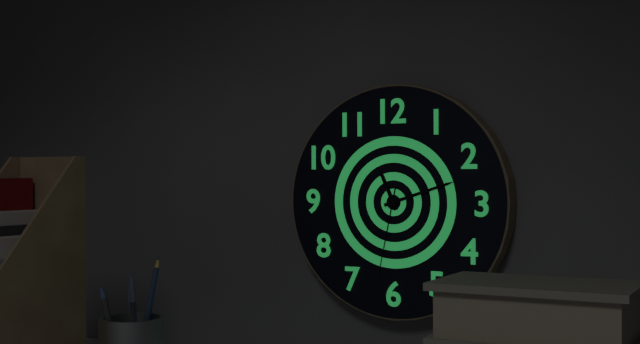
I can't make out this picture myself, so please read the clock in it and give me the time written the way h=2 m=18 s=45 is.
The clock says h=11 m=12 s=32
